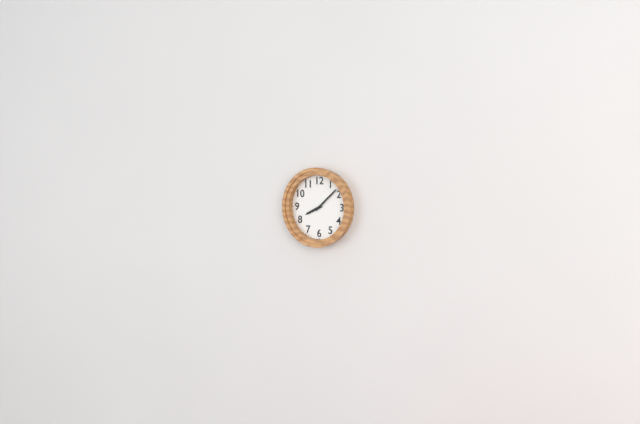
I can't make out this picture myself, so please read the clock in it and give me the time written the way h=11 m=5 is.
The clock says h=8 m=8
